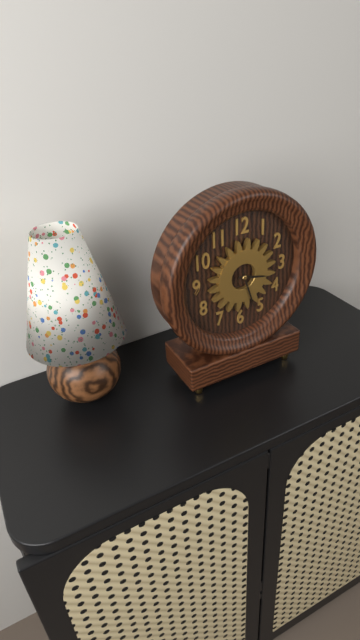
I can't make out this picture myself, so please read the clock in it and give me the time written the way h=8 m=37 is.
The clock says h=3 m=27
